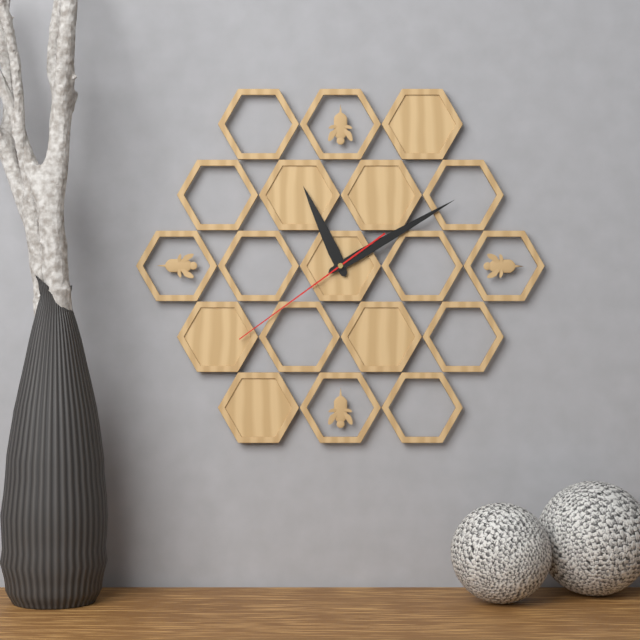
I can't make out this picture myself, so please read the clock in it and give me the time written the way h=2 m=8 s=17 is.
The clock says h=11 m=10 s=39
